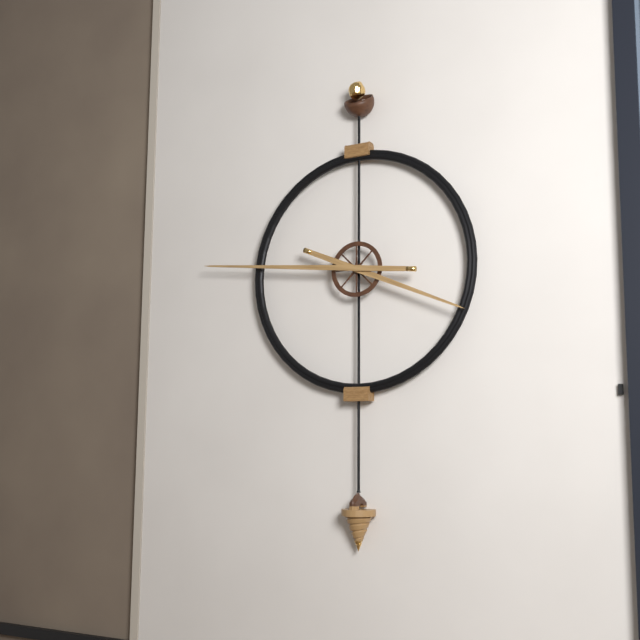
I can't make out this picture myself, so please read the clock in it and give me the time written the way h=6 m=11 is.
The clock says h=3 m=46
